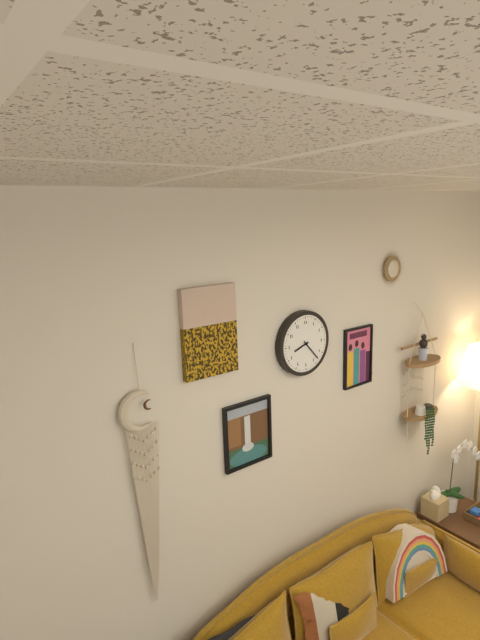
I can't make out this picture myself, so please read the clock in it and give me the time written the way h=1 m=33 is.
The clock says h=8 m=23
